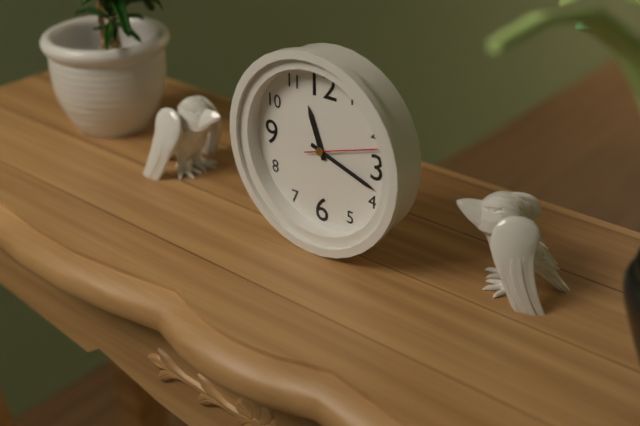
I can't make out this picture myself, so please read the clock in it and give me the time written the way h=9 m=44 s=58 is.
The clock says h=11 m=18 s=12
